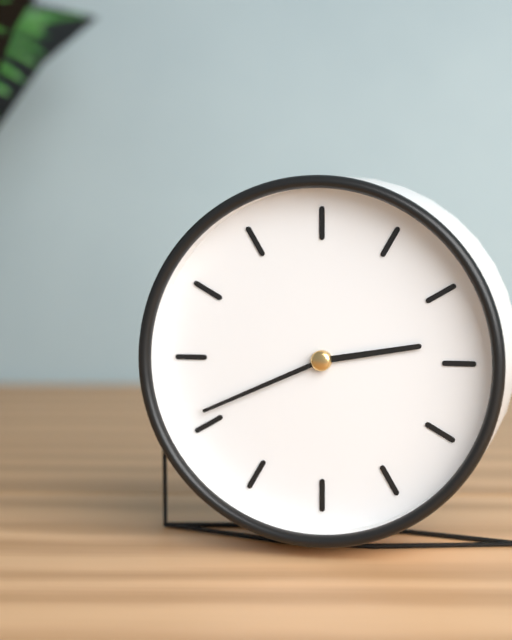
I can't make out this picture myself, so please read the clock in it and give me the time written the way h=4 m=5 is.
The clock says h=2 m=41
